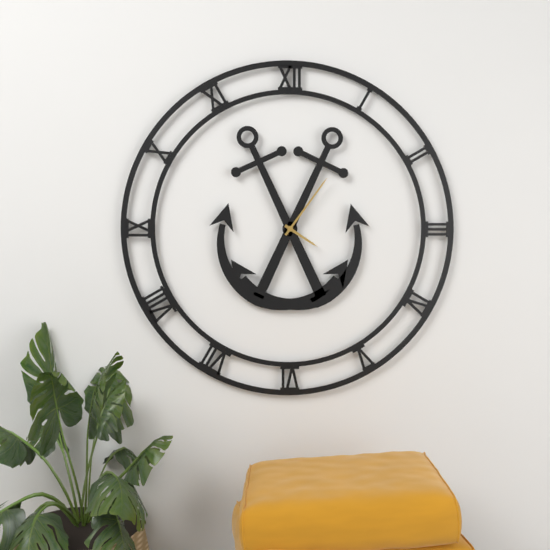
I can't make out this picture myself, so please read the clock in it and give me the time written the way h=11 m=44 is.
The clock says h=4 m=6
